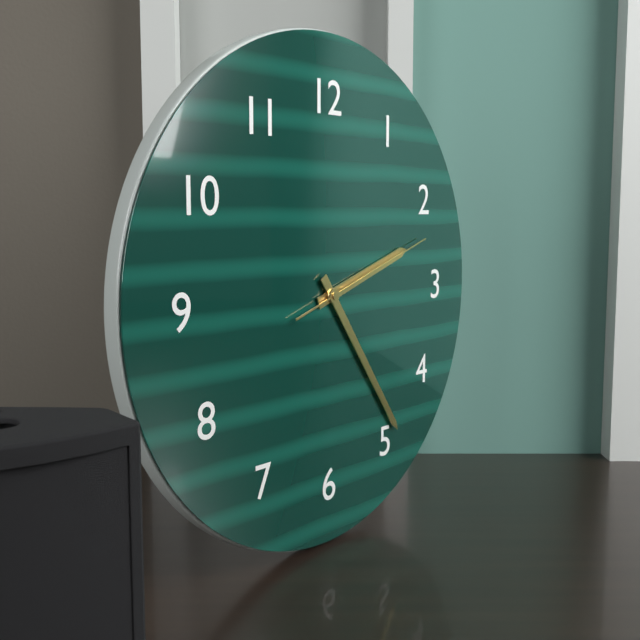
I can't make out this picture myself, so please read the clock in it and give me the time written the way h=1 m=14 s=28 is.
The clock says h=2 m=24 s=12
